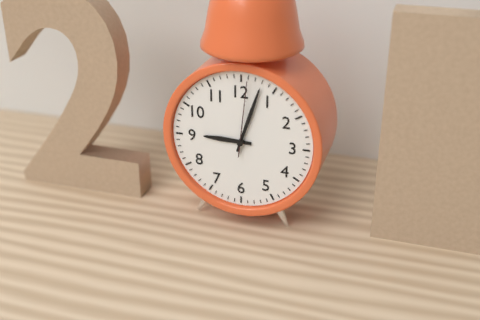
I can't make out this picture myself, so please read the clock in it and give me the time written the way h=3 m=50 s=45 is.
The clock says h=9 m=3 s=1
